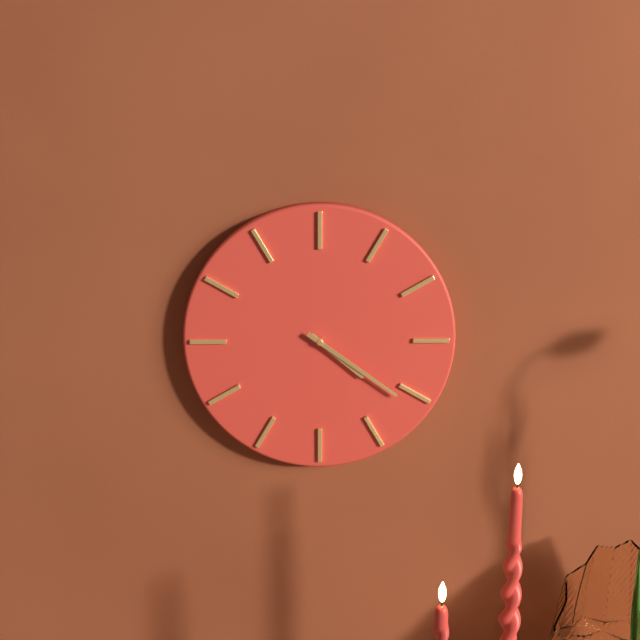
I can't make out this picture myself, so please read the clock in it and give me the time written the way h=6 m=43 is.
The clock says h=4 m=21
